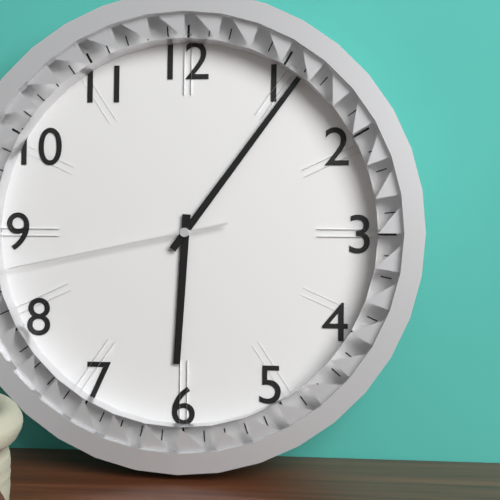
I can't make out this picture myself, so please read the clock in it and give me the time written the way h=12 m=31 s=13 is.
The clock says h=6 m=6 s=43
